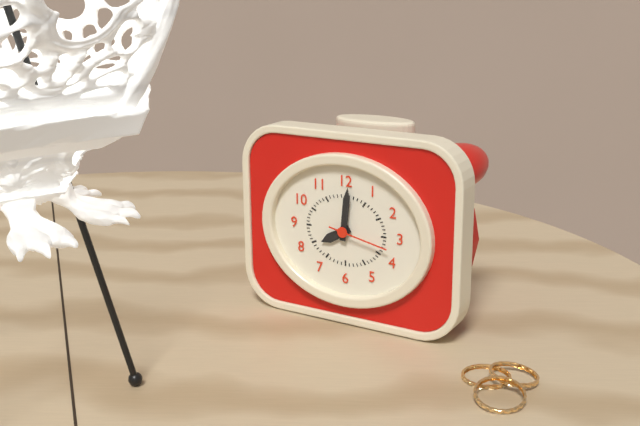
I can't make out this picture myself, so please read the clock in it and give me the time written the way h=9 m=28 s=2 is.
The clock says h=8 m=1 s=17
